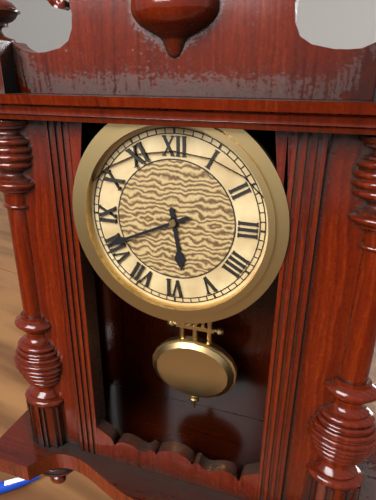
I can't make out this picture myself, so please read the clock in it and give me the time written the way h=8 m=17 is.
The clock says h=5 m=41
